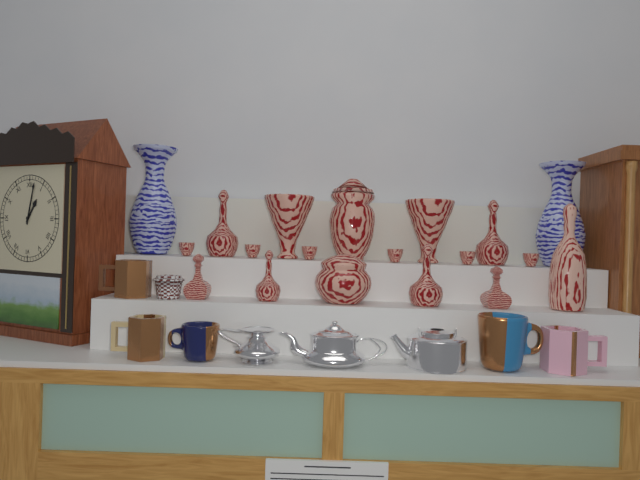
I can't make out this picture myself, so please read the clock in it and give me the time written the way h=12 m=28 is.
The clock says h=1 m=2
